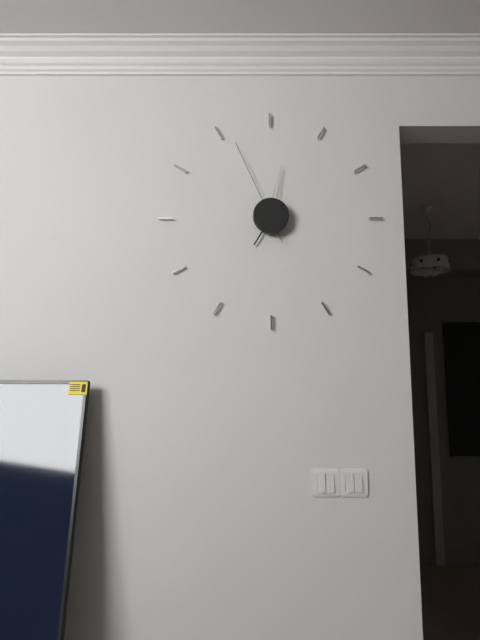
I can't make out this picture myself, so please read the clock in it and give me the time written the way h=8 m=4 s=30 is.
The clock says h=7 m=2 s=56
